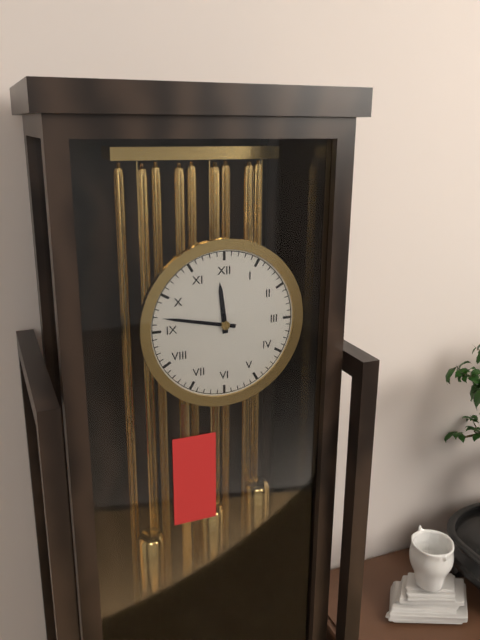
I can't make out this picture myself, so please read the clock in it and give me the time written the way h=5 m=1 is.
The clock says h=11 m=47
